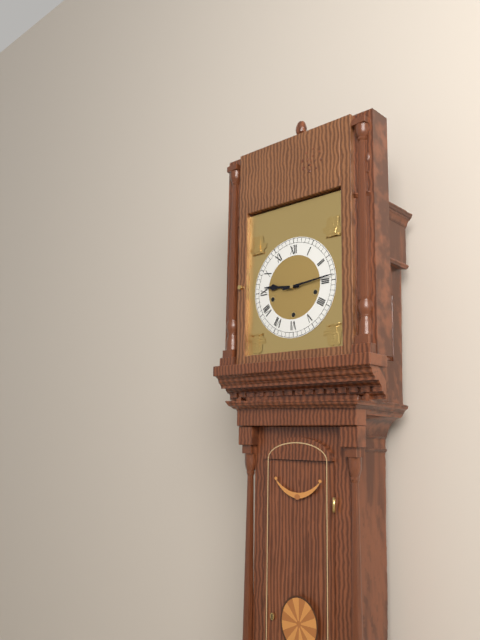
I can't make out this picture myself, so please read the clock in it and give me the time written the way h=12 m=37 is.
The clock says h=9 m=14
